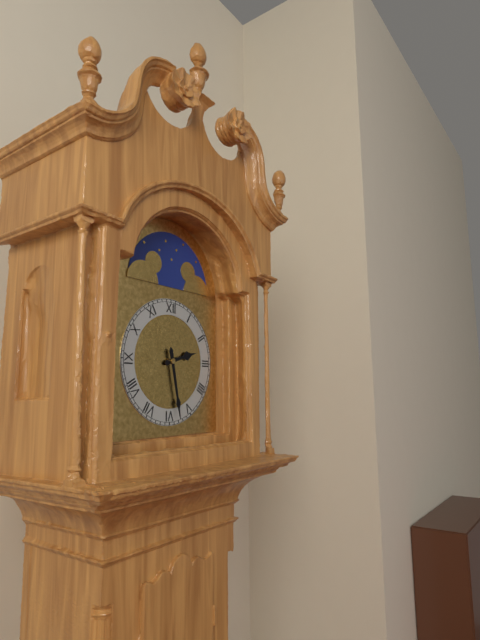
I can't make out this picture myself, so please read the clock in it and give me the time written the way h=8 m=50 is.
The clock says h=2 m=28
